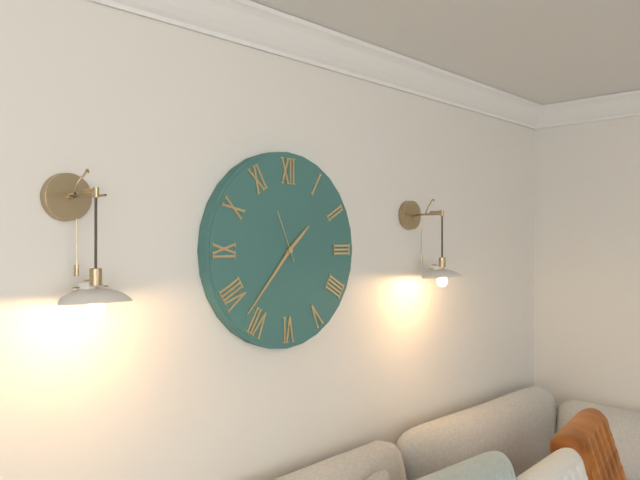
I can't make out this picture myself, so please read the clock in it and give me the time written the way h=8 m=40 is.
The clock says h=1 m=37
